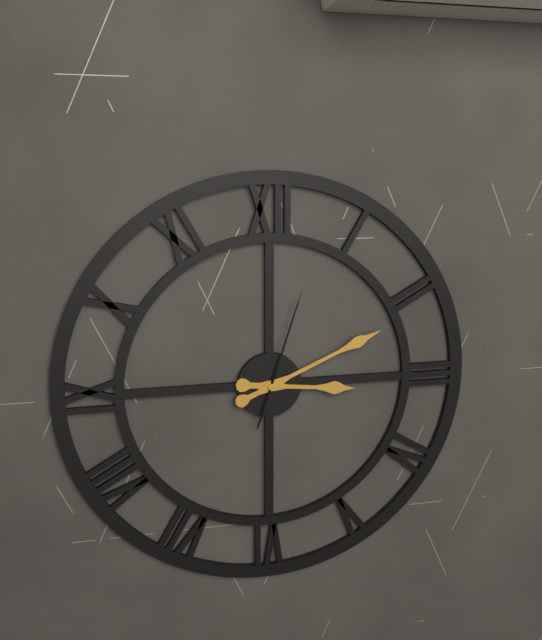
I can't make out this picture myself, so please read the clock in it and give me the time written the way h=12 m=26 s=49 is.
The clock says h=3 m=11 s=3
